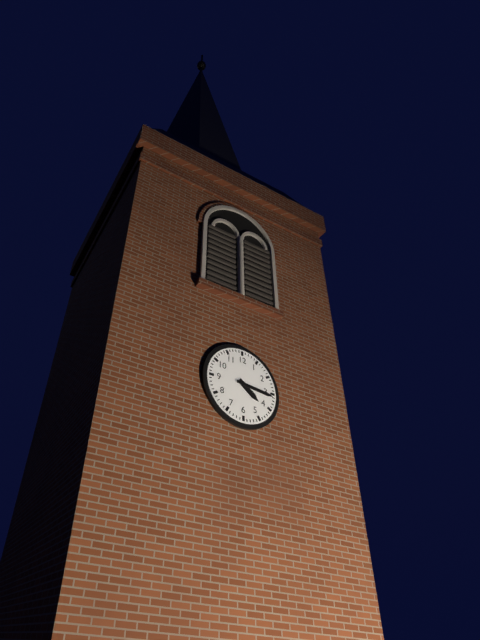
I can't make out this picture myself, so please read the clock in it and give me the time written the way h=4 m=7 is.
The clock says h=4 m=16
